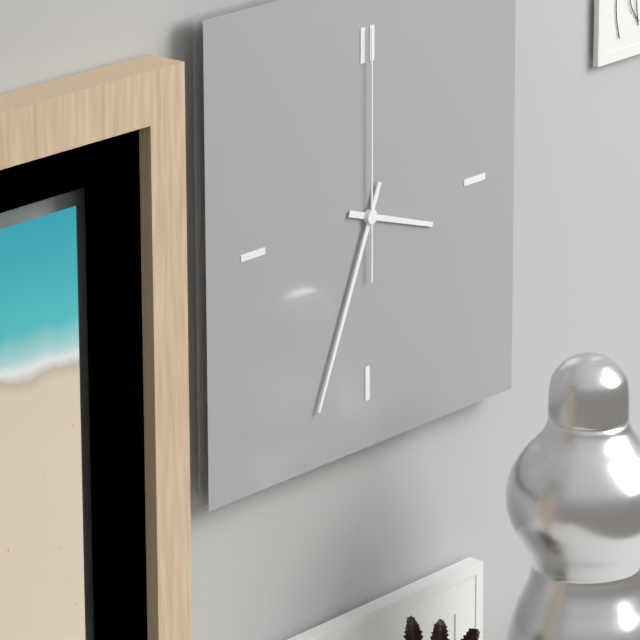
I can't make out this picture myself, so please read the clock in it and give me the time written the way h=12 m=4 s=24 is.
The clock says h=3 m=34 s=0
